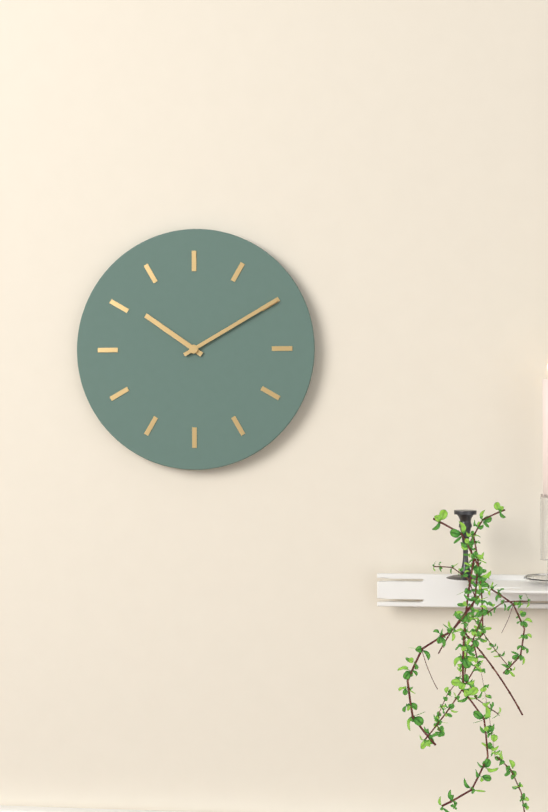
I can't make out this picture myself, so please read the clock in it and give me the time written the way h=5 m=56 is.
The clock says h=10 m=10
